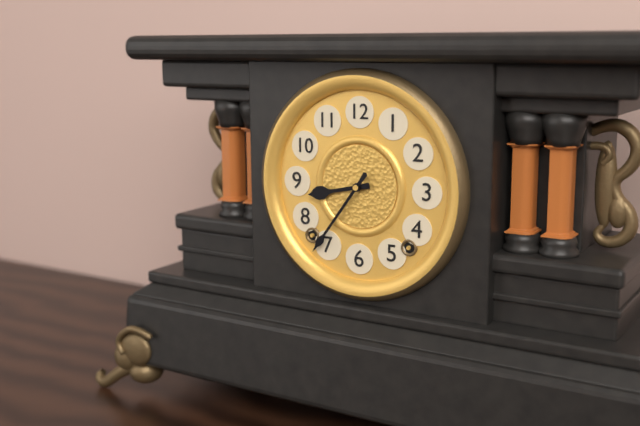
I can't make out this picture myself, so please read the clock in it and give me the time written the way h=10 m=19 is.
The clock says h=8 m=36
